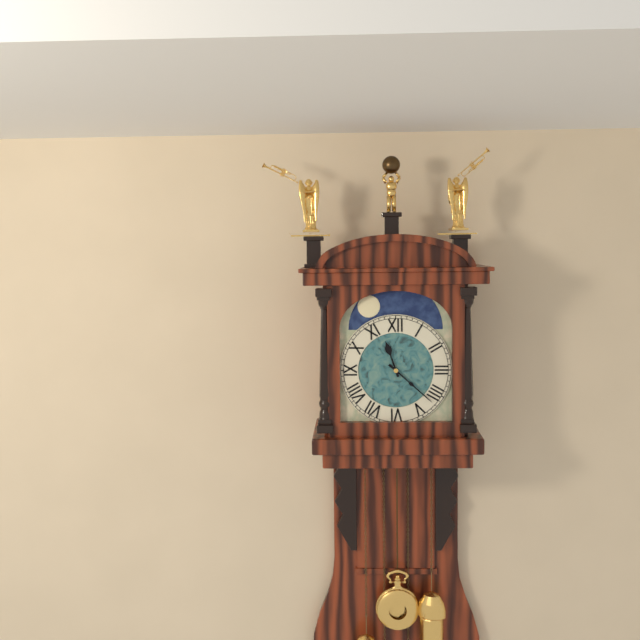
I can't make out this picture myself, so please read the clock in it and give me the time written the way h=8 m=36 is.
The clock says h=11 m=22
